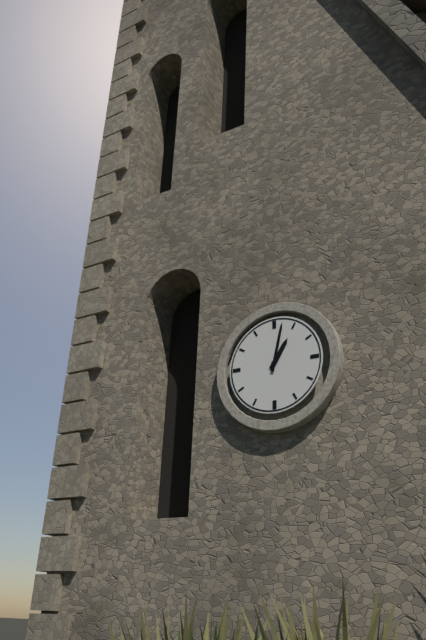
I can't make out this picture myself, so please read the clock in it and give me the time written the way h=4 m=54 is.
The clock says h=1 m=2
